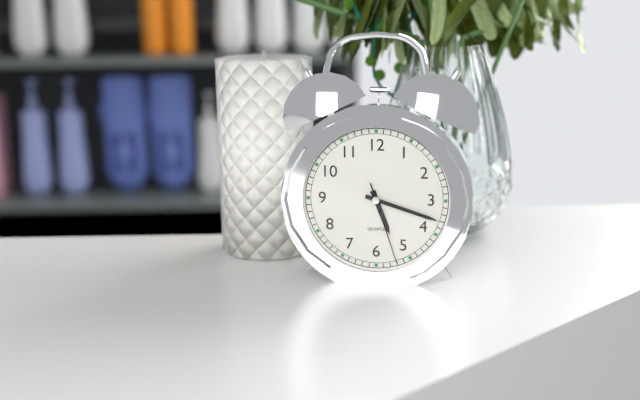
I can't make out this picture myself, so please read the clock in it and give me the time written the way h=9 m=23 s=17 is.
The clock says h=5 m=18 s=27
